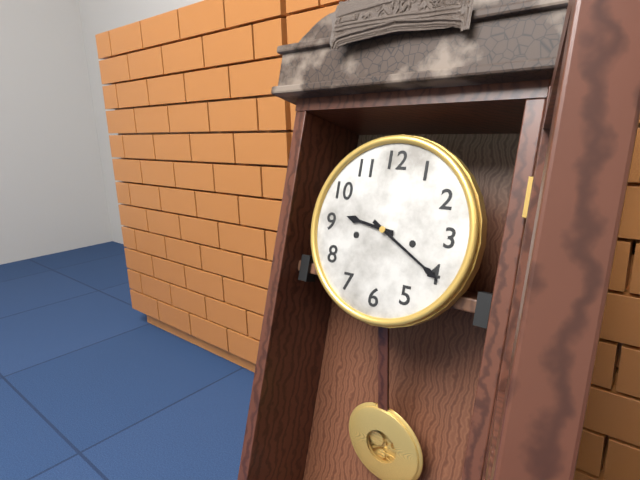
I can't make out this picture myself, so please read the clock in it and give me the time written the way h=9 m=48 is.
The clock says h=9 m=20
